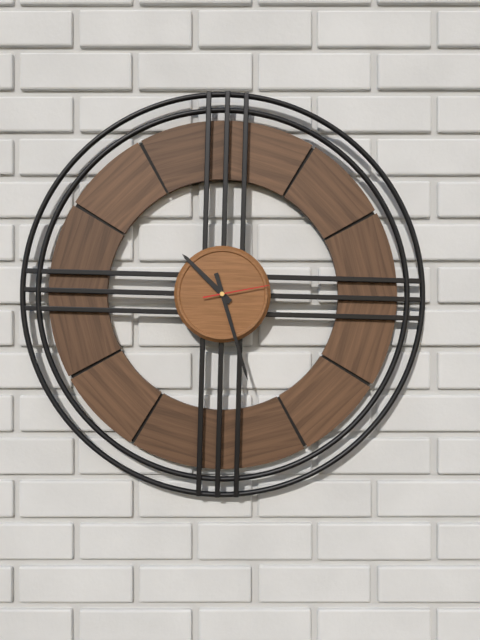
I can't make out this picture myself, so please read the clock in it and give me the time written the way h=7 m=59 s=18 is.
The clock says h=10 m=27 s=13
